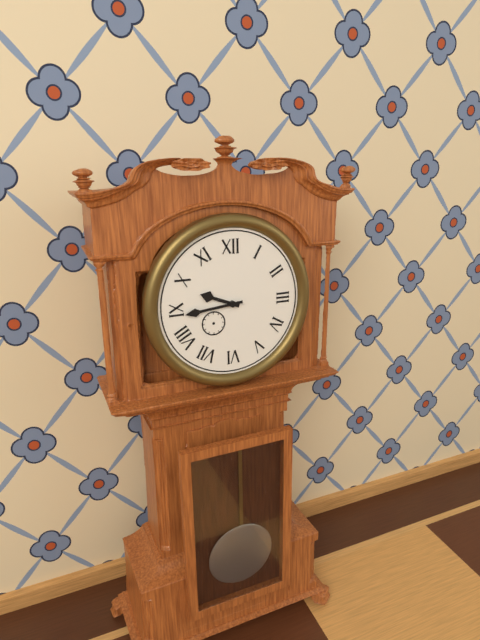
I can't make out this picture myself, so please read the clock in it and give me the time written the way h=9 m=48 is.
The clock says h=9 m=44
